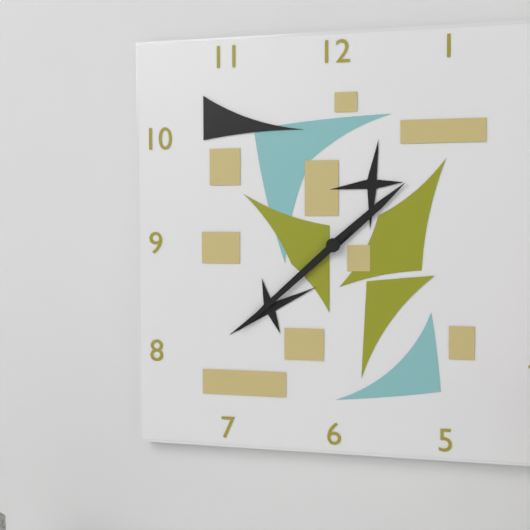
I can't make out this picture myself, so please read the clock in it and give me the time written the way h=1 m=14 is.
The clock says h=1 m=38
